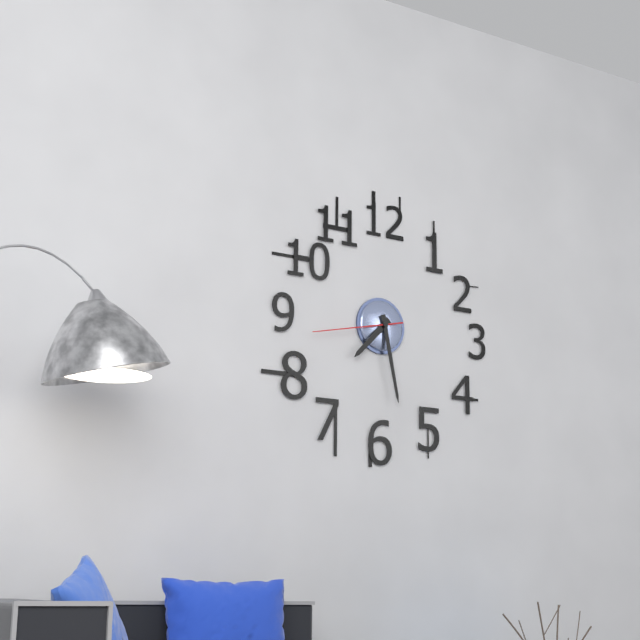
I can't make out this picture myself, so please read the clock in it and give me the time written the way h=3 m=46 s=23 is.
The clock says h=7 m=28 s=43
